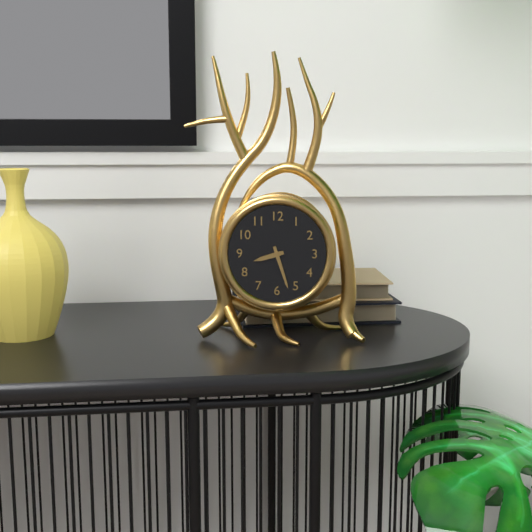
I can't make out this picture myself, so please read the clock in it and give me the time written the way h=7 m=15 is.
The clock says h=8 m=27
